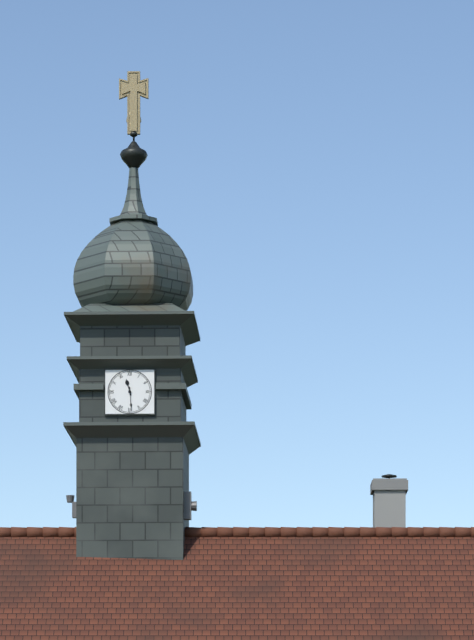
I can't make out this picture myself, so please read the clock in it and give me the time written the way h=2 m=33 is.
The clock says h=11 m=29
